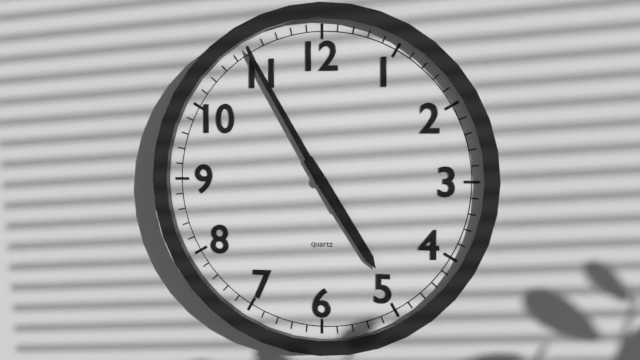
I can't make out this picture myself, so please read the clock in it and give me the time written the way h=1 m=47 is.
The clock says h=4 m=55
